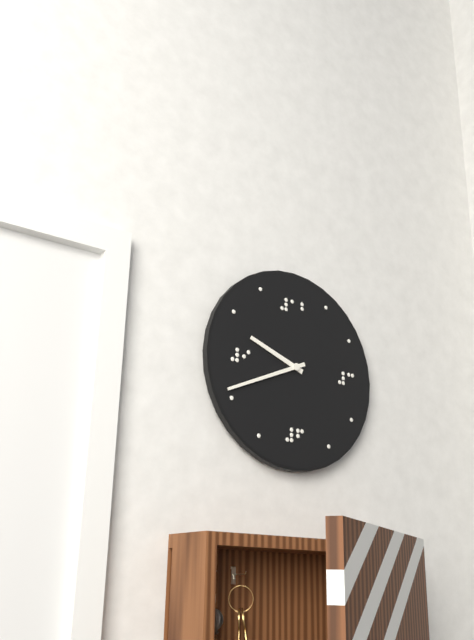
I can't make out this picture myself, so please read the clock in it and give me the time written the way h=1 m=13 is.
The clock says h=9 m=41
